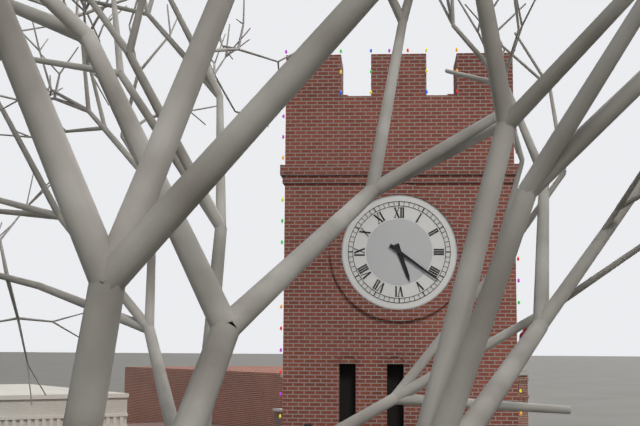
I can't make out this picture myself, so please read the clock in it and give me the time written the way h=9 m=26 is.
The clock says h=5 m=21
